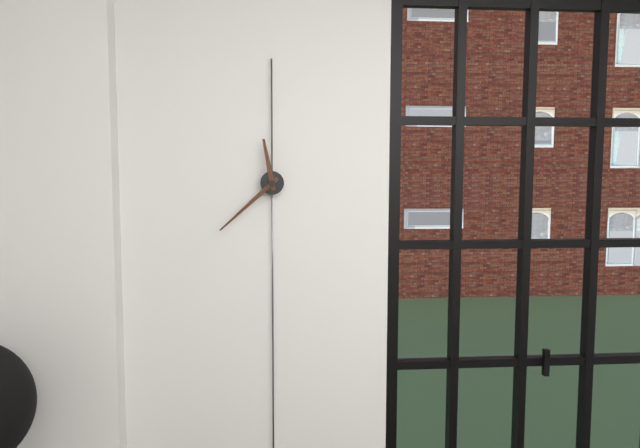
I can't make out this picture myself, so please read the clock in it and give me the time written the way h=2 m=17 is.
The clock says h=11 m=38
